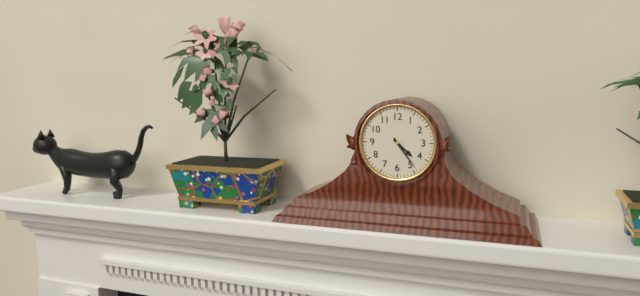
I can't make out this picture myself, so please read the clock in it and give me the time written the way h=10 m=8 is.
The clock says h=4 m=24
